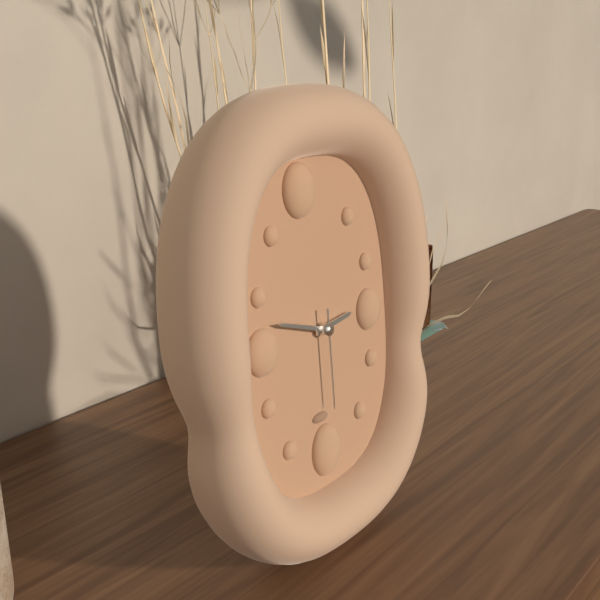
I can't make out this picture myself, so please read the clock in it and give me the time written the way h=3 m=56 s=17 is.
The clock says h=2 m=48 s=30
